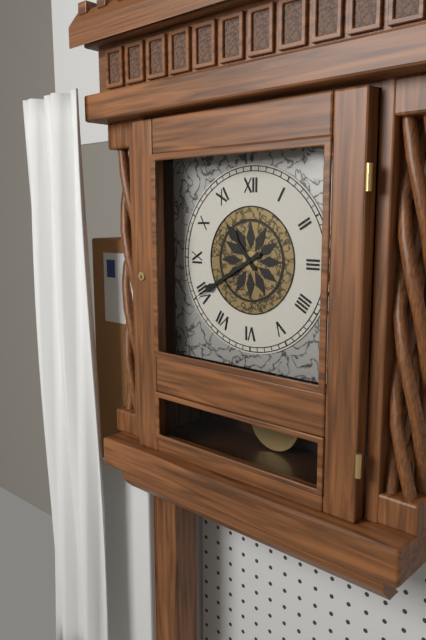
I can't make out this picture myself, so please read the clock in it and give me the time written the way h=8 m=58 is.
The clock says h=10 m=40
